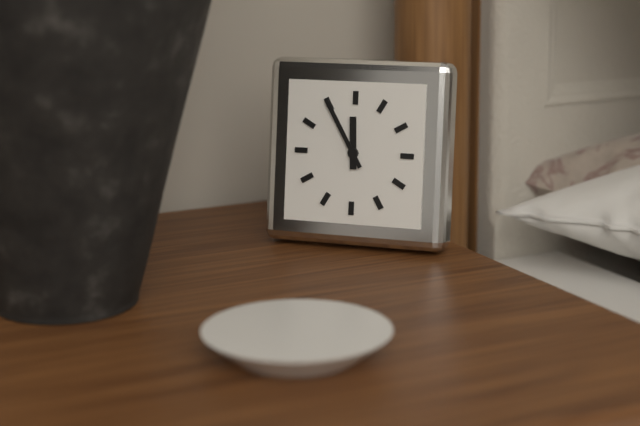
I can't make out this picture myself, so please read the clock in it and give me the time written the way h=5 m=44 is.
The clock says h=11 m=55
